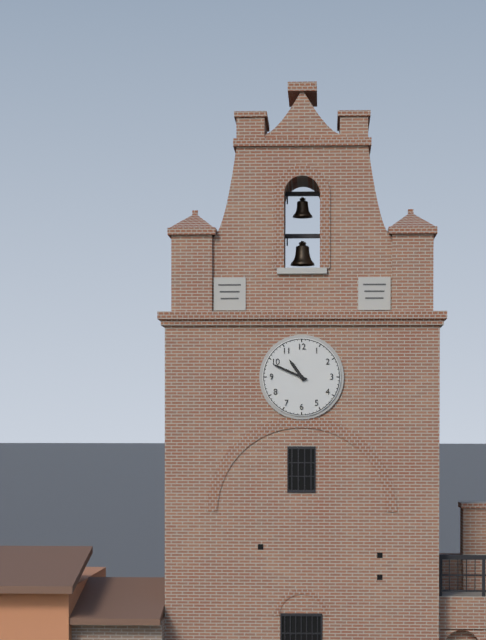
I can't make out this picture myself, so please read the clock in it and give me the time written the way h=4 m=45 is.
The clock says h=10 m=49
